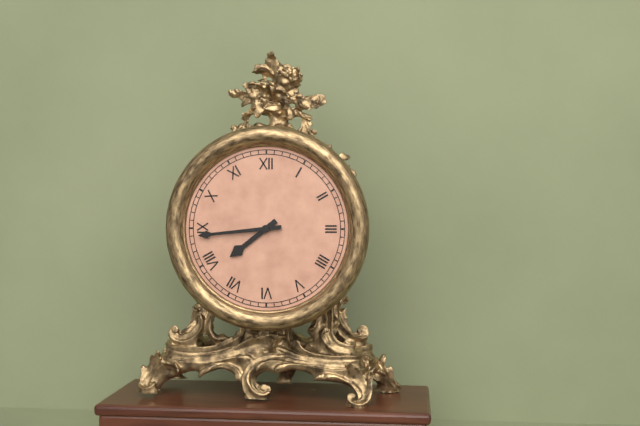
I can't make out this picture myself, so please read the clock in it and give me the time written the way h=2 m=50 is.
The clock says h=7 m=44
